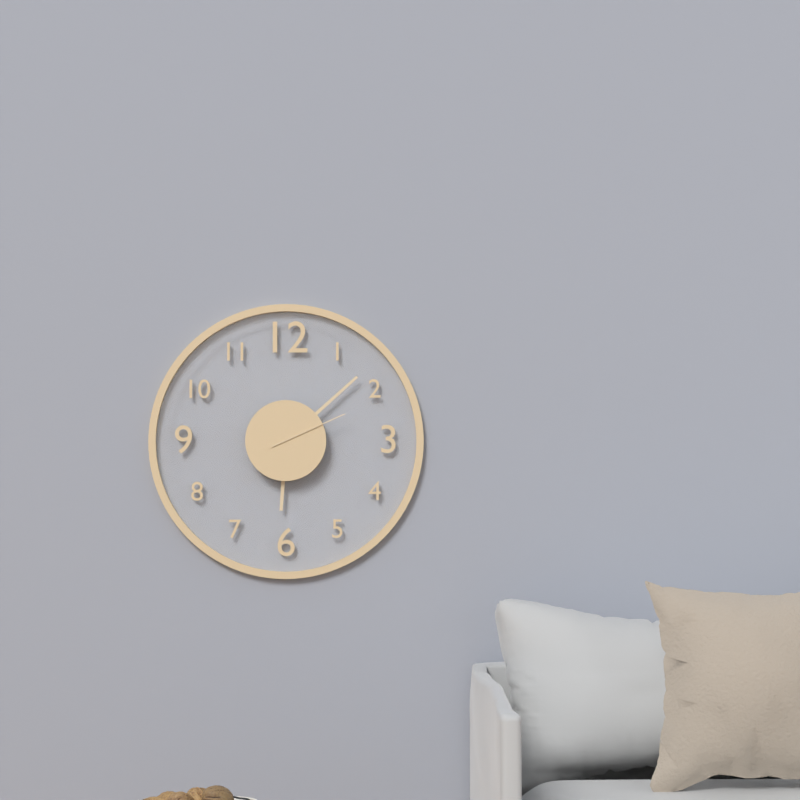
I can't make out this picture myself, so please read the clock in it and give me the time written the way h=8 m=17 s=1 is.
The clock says h=6 m=8 s=11
